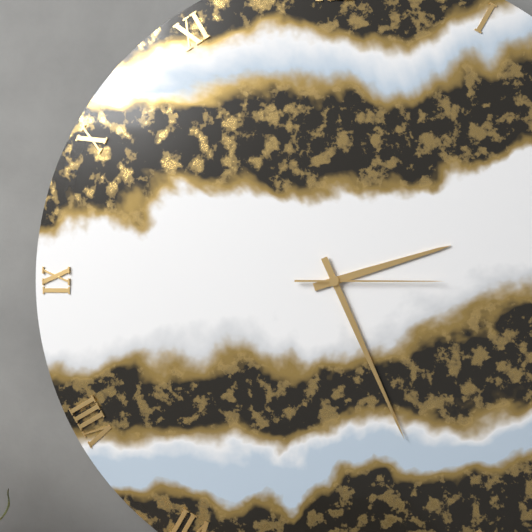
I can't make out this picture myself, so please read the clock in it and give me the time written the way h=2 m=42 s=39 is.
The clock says h=2 m=26 s=15
